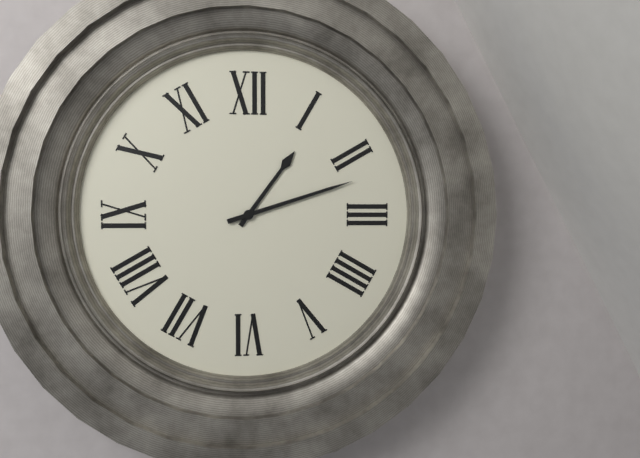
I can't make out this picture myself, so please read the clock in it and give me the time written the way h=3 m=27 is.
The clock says h=1 m=12
